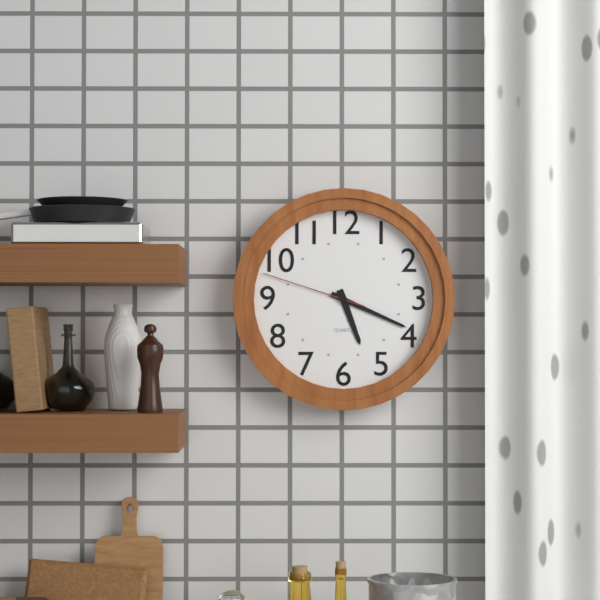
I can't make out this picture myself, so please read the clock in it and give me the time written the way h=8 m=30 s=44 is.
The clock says h=5 m=19 s=48
